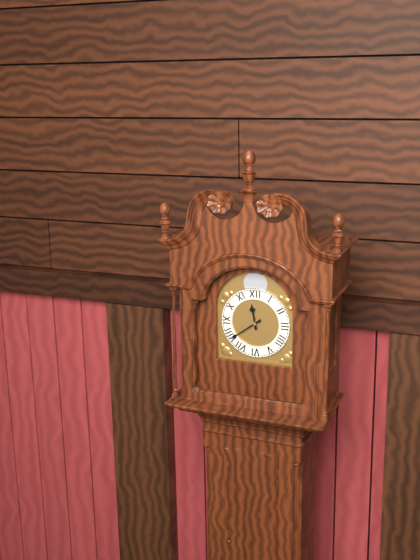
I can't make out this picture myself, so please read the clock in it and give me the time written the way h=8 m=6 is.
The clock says h=11 m=39
